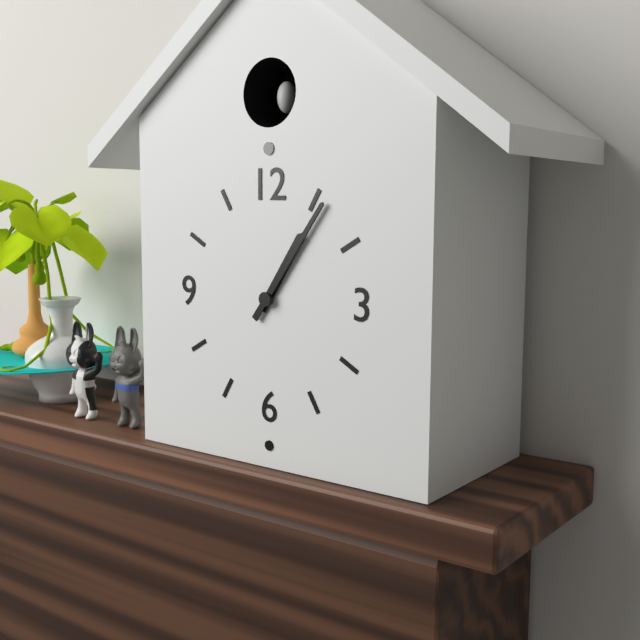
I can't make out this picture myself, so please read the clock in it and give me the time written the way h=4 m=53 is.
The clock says h=1 m=6
